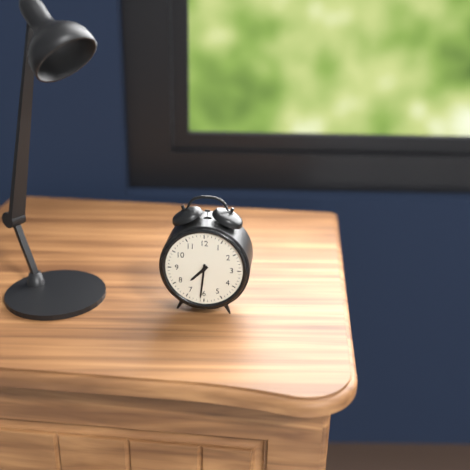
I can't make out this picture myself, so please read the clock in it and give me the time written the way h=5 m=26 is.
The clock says h=7 m=31
